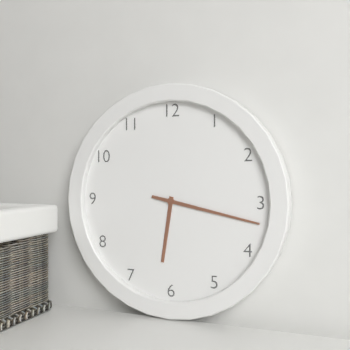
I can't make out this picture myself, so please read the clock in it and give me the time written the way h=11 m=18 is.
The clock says h=6 m=17
